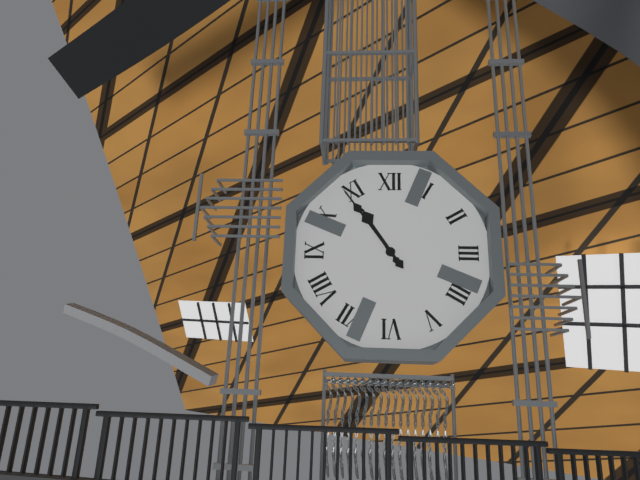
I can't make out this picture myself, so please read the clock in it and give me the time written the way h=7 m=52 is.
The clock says h=10 m=54
